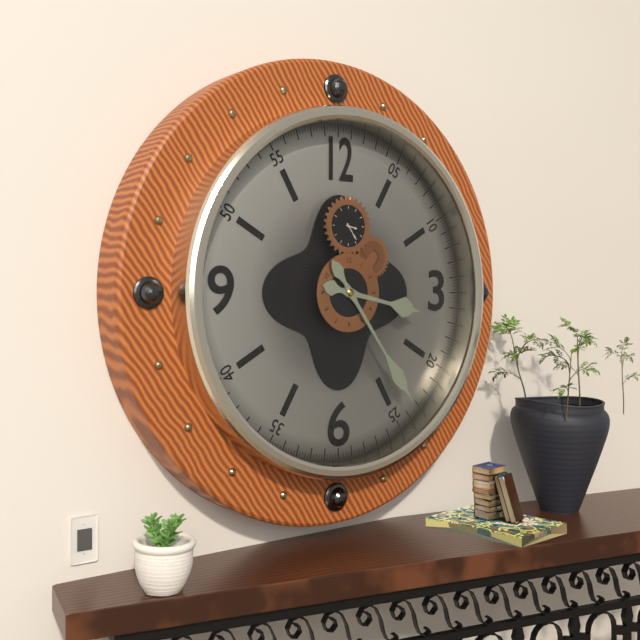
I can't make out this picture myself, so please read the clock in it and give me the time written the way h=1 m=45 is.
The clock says h=3 m=24
